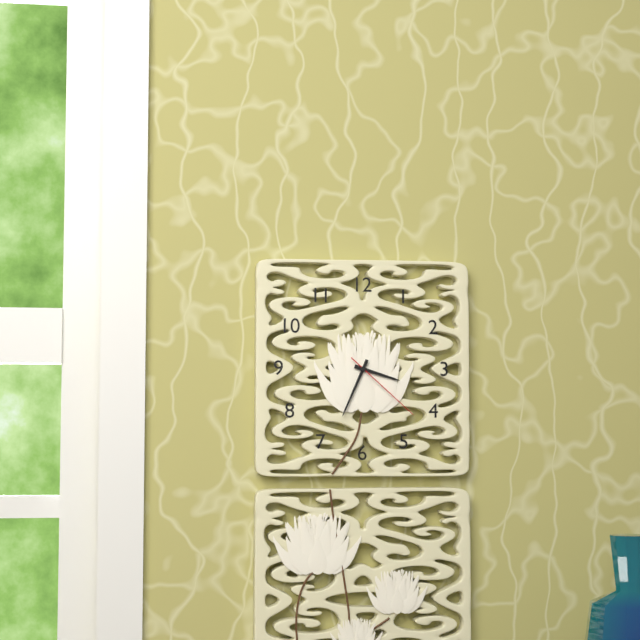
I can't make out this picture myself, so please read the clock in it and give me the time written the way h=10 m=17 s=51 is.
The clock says h=3 m=34 s=22
